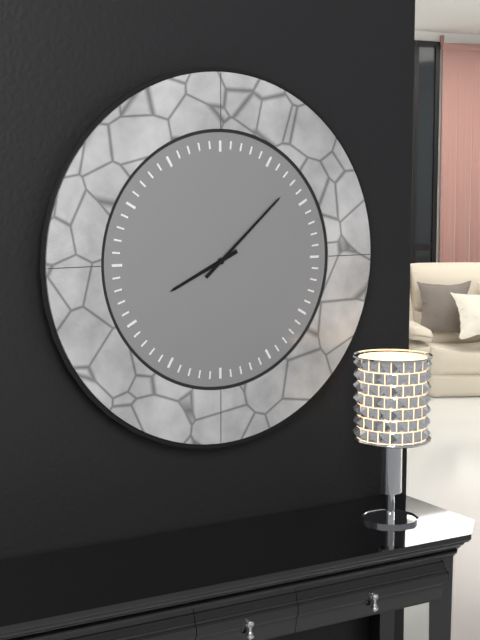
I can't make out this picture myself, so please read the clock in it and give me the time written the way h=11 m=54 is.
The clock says h=8 m=8
